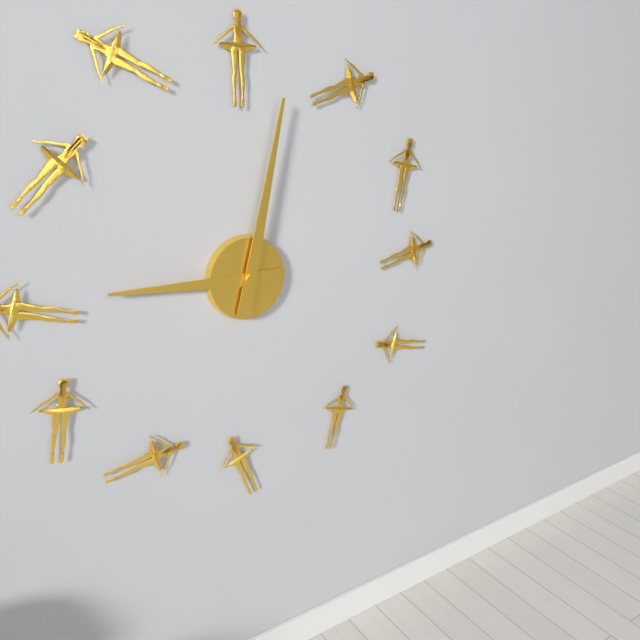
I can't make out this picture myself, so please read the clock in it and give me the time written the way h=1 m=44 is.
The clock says h=9 m=2
